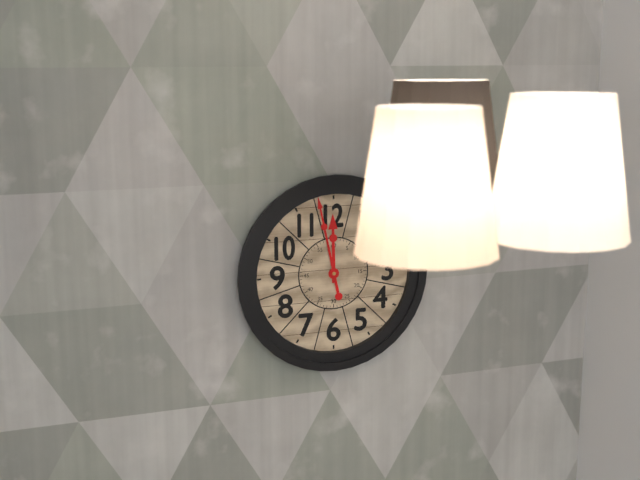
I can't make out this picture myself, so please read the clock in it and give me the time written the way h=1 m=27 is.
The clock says h=11 m=58
